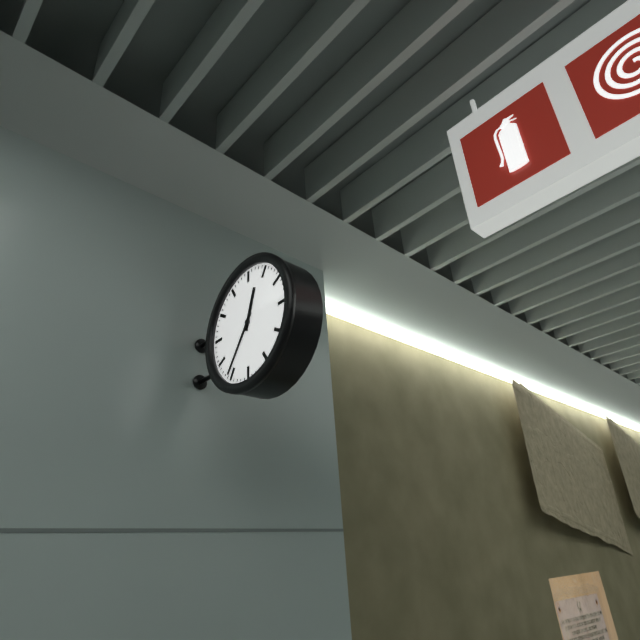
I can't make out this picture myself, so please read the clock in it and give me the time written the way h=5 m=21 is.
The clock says h=12 m=36
